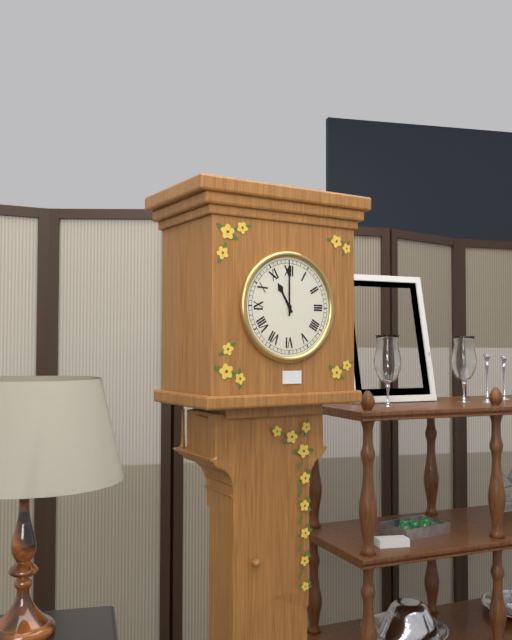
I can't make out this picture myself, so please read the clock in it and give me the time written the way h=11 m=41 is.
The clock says h=11 m=0
